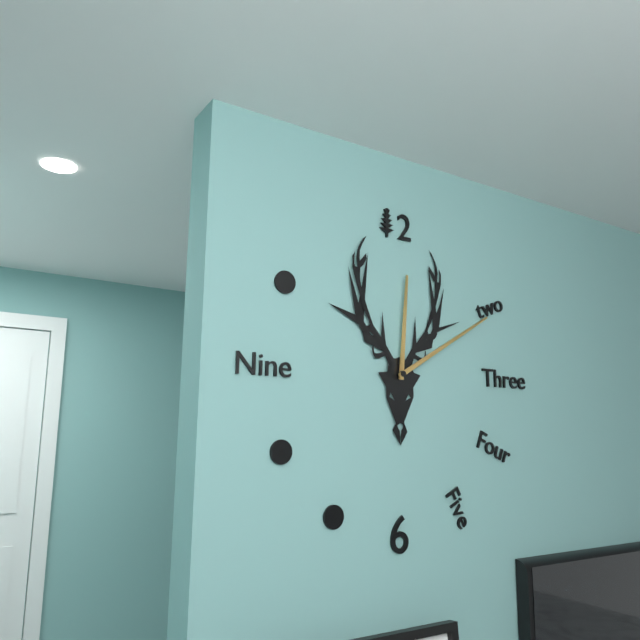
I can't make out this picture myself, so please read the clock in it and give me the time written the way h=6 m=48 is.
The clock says h=12 m=10
